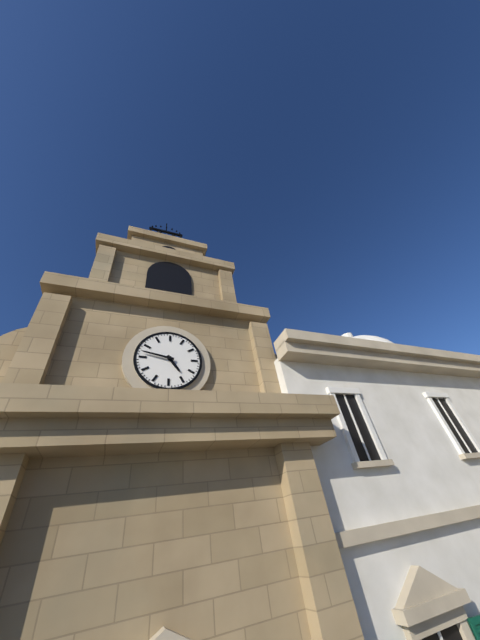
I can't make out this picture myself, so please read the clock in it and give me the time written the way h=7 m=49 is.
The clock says h=4 m=47
